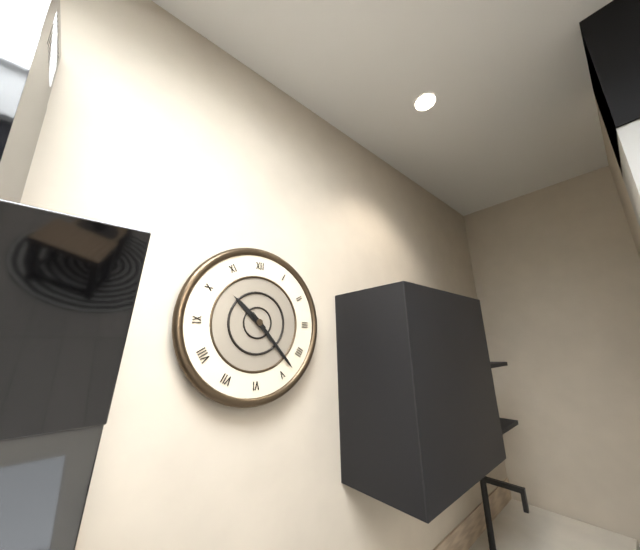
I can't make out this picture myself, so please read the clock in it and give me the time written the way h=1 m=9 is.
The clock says h=10 m=23
